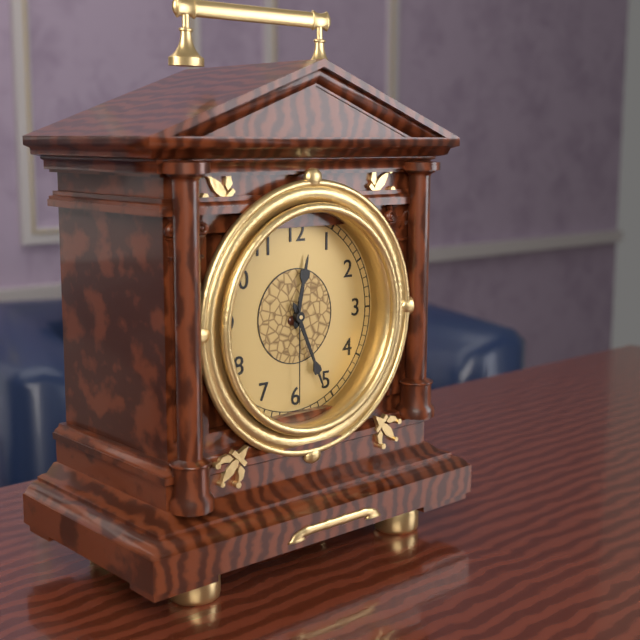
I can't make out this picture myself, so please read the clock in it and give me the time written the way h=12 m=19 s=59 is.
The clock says h=12 m=26 s=30
